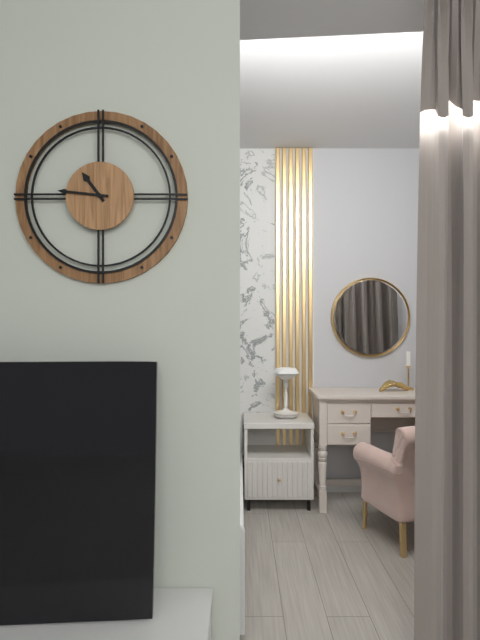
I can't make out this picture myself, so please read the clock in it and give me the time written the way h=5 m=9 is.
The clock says h=10 m=46
